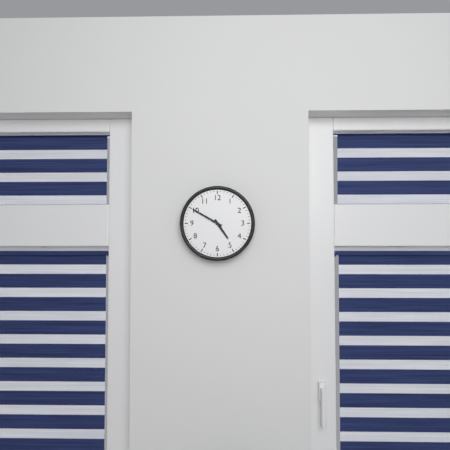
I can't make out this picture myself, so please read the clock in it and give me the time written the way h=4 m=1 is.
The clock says h=4 m=50
